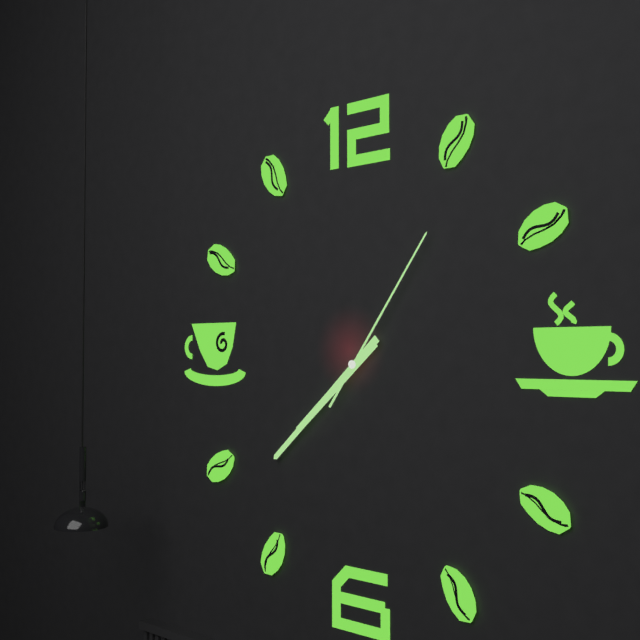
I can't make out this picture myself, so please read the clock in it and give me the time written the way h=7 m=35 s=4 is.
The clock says h=7 m=38 s=6
